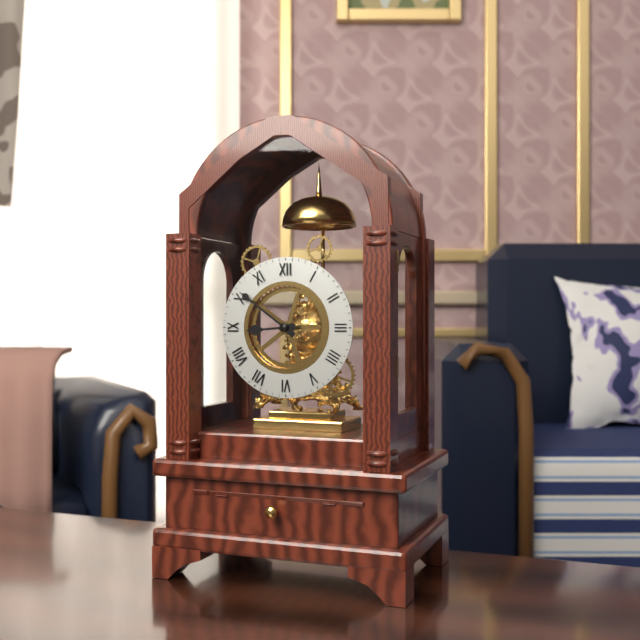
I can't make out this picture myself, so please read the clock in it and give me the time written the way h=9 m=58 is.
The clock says h=8 m=51
